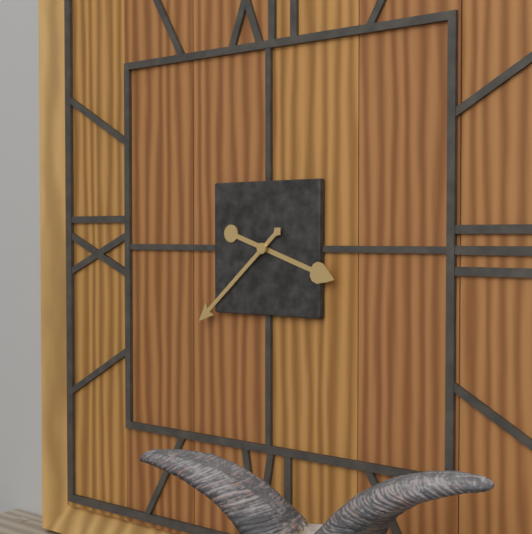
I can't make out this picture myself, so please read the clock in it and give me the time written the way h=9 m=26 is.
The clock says h=3 m=38
